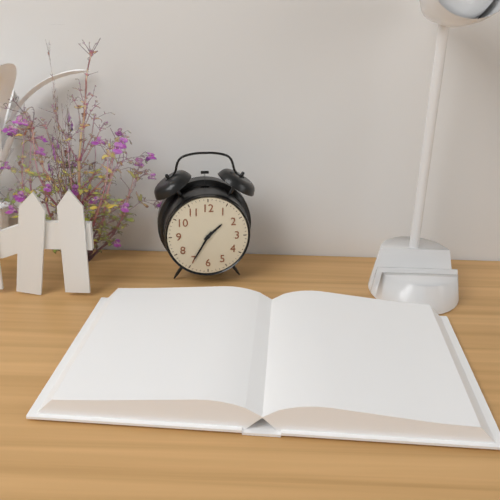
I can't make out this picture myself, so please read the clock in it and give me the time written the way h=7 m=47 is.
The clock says h=1 m=35
